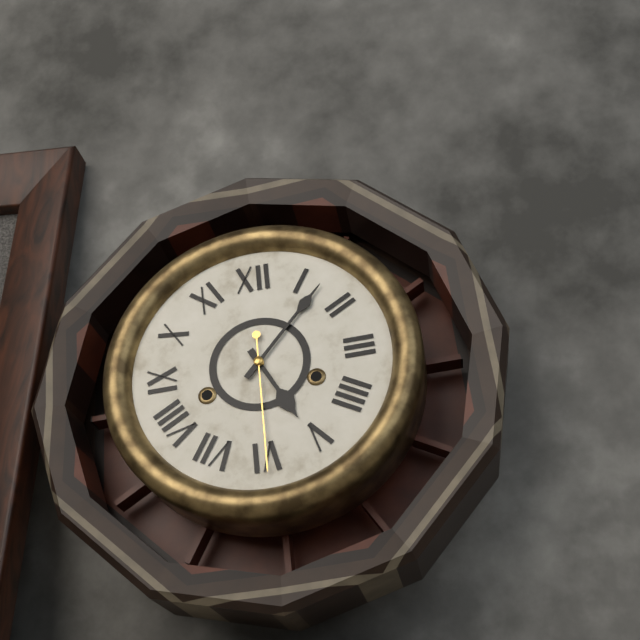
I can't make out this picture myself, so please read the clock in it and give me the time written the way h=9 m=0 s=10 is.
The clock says h=5 m=7 s=30
